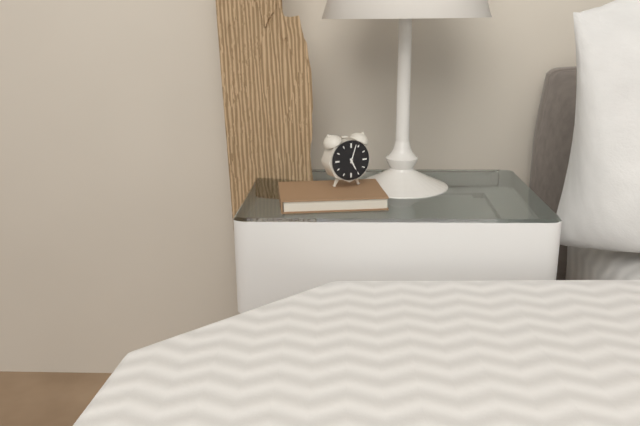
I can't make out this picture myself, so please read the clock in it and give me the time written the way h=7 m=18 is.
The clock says h=5 m=3
